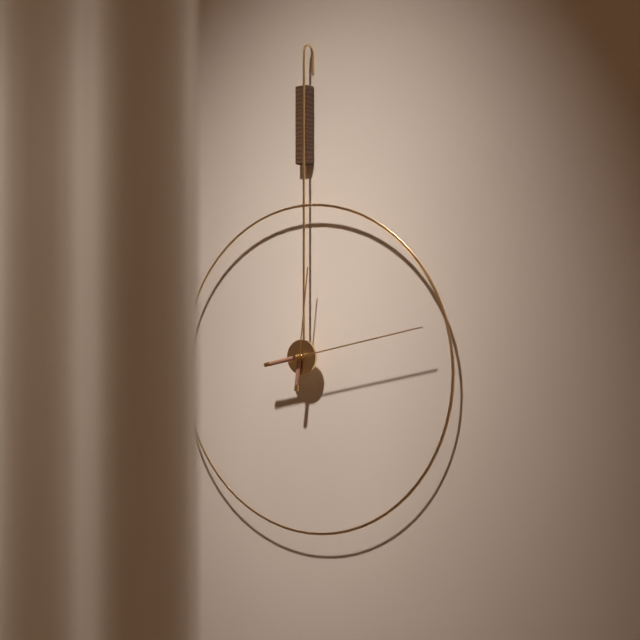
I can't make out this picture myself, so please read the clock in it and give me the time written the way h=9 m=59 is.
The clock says h=12 m=13
